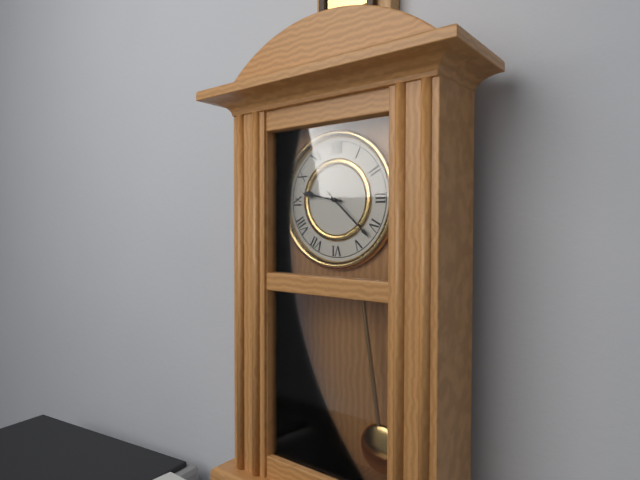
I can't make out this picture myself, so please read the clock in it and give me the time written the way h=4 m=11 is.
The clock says h=9 m=22
